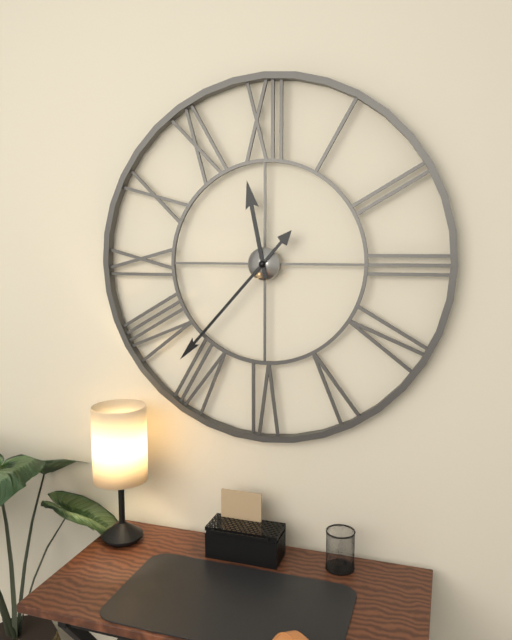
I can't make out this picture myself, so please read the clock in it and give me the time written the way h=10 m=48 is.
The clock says h=11 m=37
